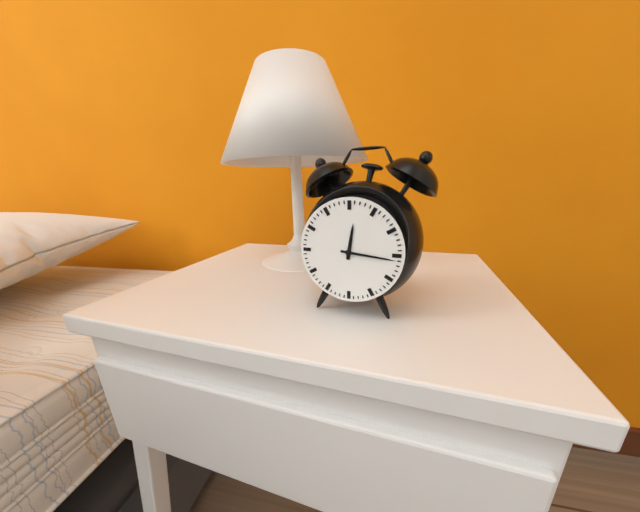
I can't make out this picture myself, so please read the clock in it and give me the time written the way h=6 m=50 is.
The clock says h=12 m=16
